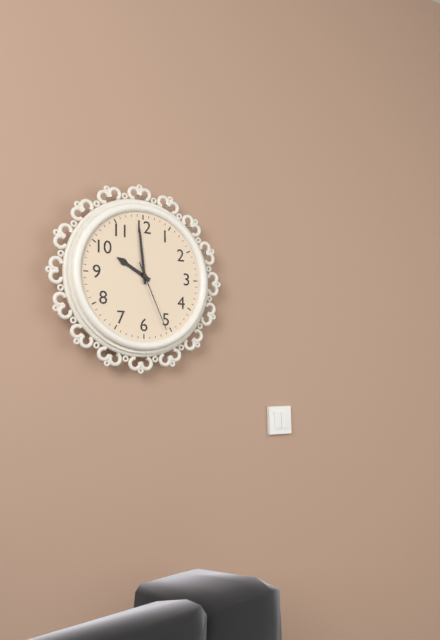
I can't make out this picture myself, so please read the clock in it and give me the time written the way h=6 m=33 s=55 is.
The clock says h=9 m=59 s=26
